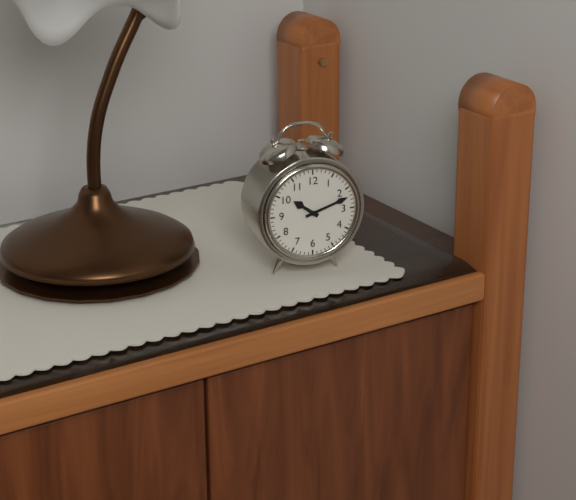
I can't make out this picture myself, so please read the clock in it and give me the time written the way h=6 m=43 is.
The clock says h=10 m=12
